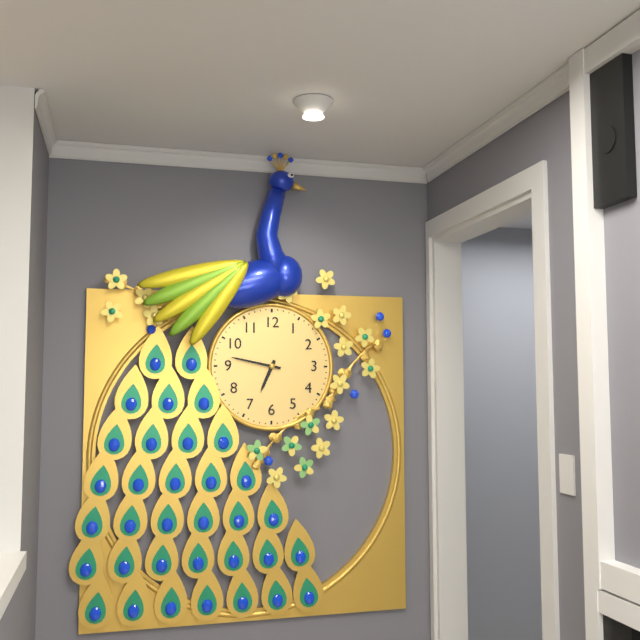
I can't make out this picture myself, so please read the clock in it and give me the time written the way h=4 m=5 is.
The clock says h=6 m=47
